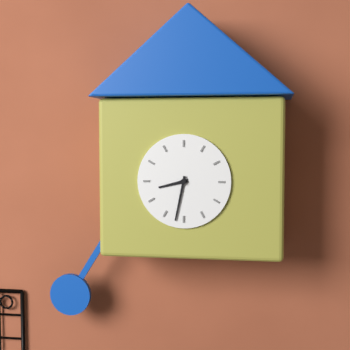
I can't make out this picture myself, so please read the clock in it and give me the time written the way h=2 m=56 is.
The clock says h=8 m=32
